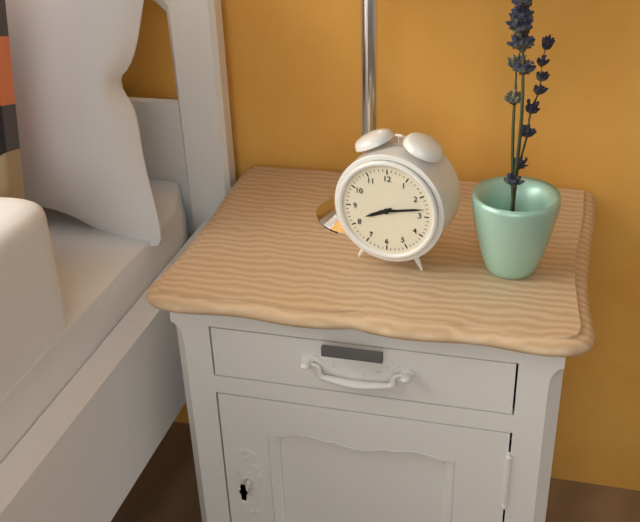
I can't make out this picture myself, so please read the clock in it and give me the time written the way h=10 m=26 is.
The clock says h=8 m=13
